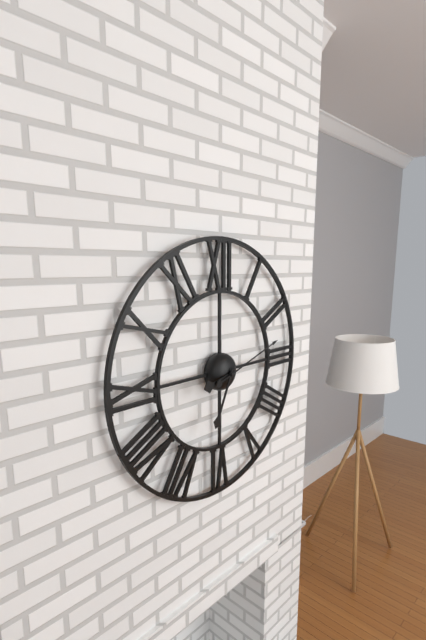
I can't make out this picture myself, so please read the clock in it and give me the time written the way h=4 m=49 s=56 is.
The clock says h=8 m=34 s=12
